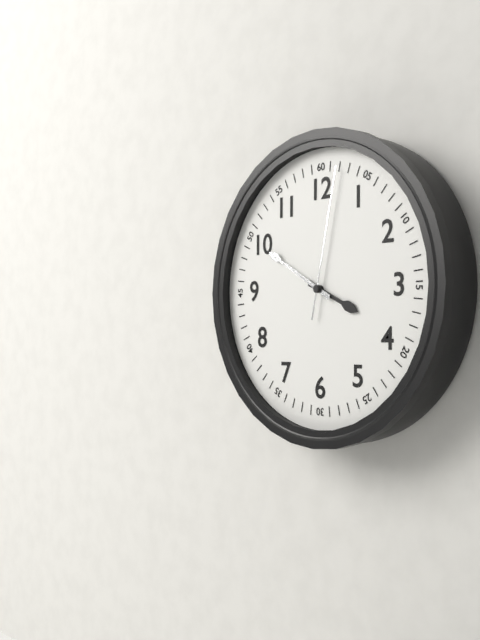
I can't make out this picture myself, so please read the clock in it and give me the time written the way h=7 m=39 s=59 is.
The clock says h=3 m=50 s=2
